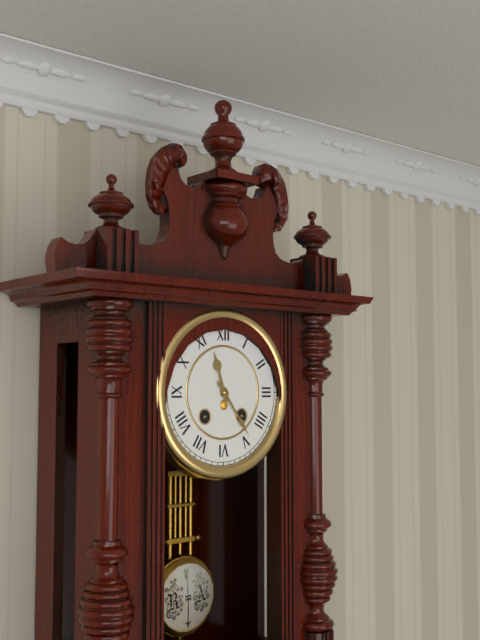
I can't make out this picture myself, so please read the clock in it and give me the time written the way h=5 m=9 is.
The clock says h=11 m=24
